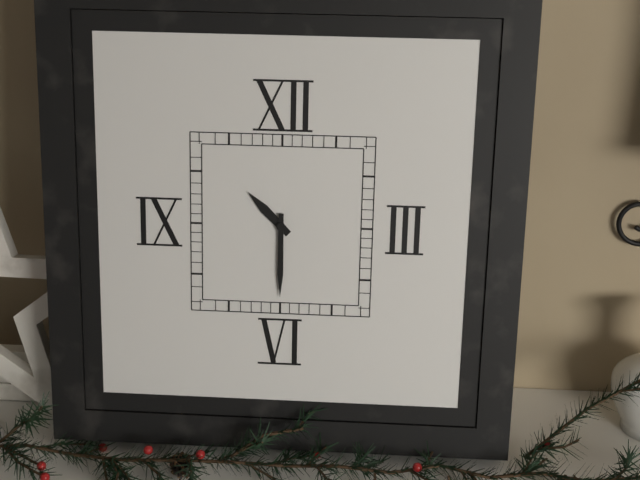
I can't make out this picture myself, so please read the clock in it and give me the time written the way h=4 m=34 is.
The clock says h=10 m=30
